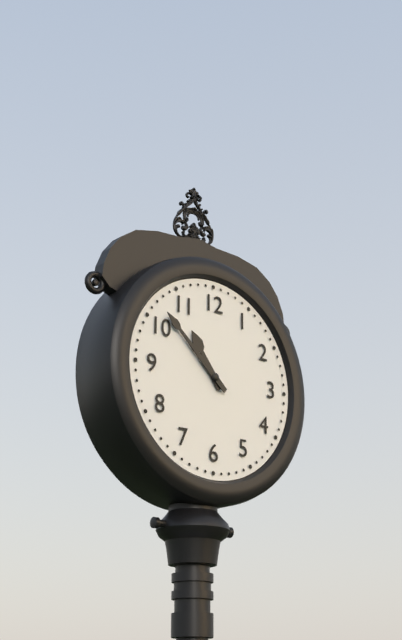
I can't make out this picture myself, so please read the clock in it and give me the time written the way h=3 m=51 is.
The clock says h=10 m=52
